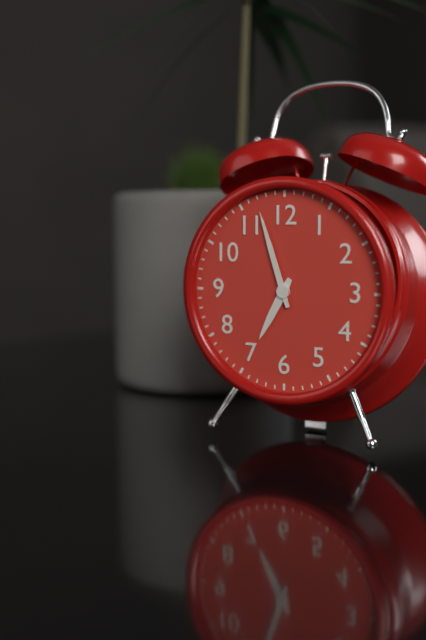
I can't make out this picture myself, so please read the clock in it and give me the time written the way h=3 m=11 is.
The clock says h=6 m=57
